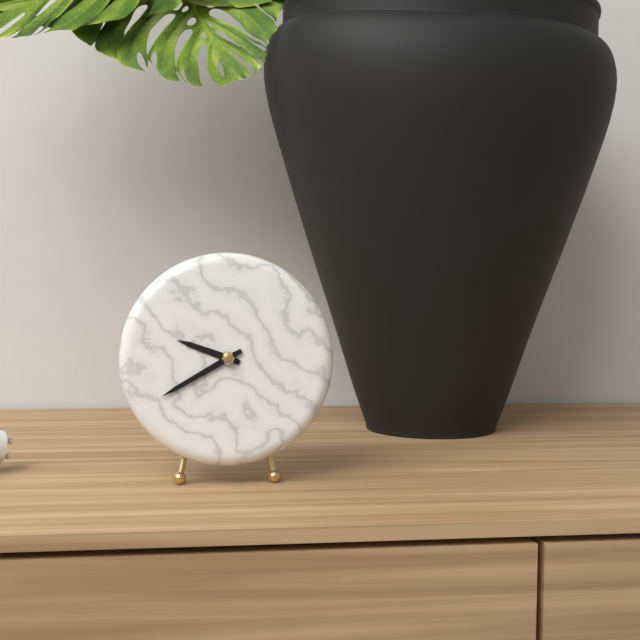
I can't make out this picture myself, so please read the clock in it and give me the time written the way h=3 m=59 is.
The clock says h=9 m=40
